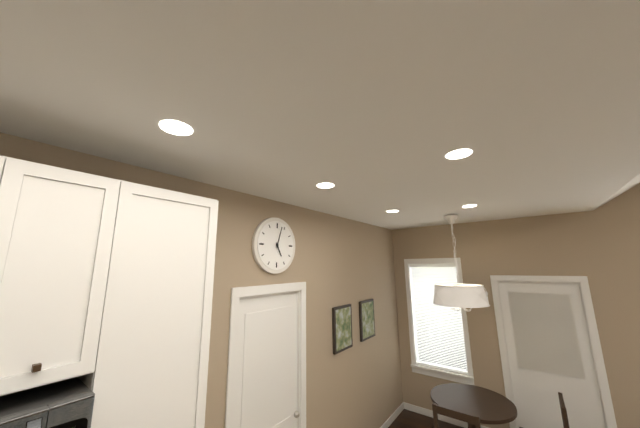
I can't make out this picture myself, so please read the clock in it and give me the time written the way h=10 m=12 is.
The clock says h=5 m=3
